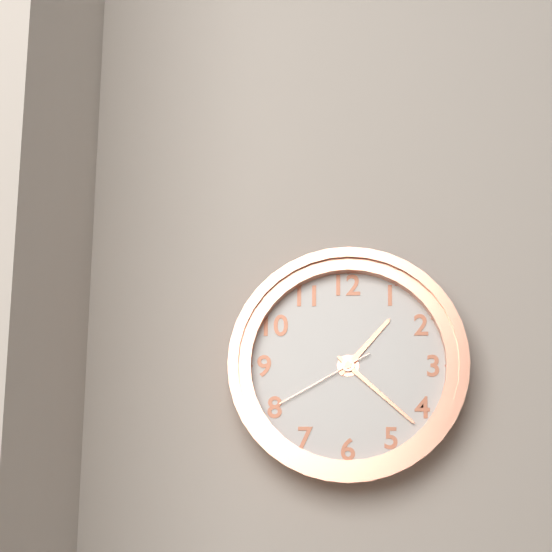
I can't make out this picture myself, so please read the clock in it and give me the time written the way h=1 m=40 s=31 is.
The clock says h=1 m=22 s=40
